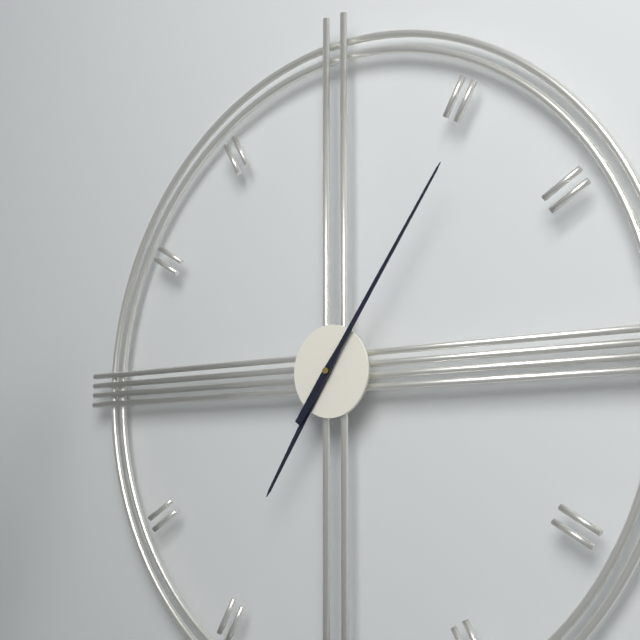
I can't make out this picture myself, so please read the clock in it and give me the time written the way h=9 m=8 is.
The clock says h=7 m=6
